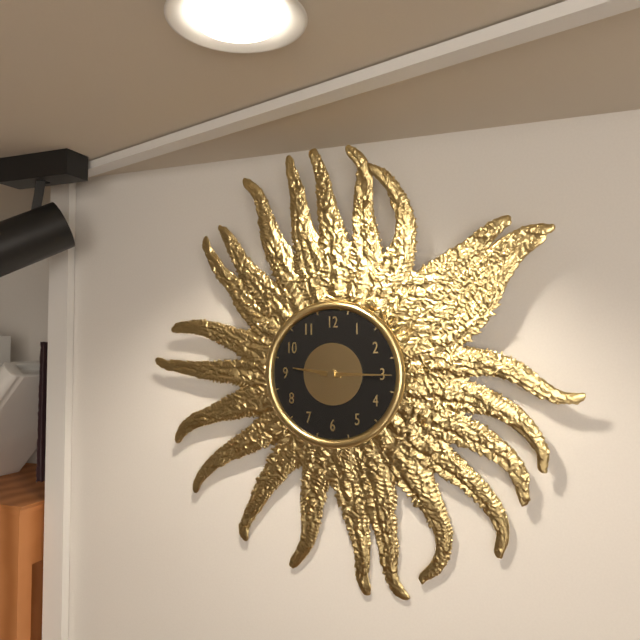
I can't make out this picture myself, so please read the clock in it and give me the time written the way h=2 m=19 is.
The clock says h=9 m=15
